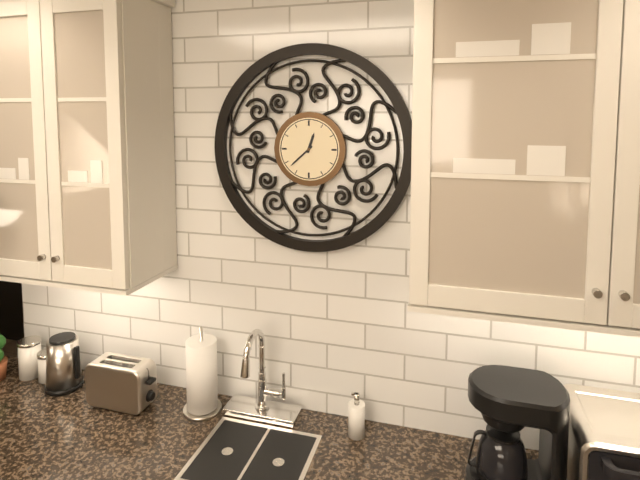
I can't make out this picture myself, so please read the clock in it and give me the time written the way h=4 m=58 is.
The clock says h=12 m=38
